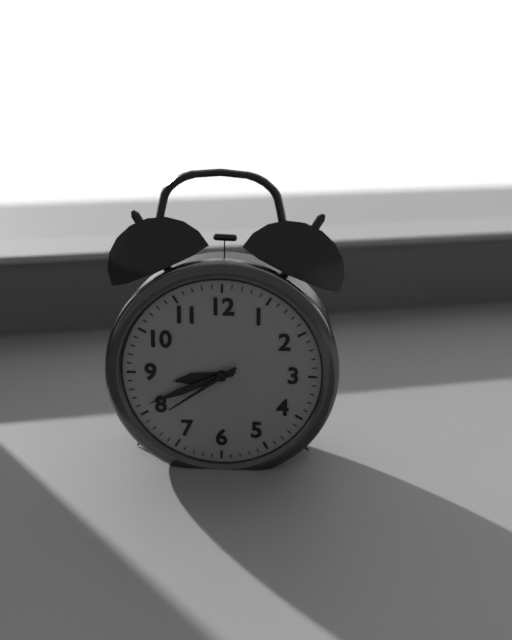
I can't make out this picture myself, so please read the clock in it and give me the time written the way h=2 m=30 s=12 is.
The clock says h=8 m=41 s=39
